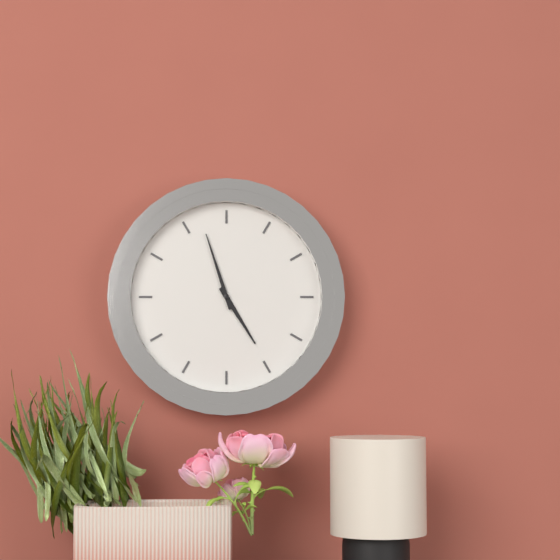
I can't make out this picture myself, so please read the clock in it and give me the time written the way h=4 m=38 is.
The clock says h=4 m=57
